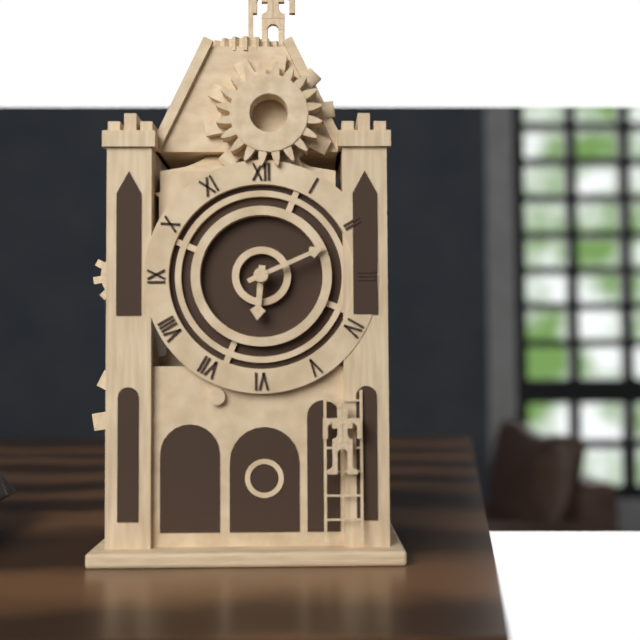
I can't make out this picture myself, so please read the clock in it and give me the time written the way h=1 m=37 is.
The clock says h=6 m=11
